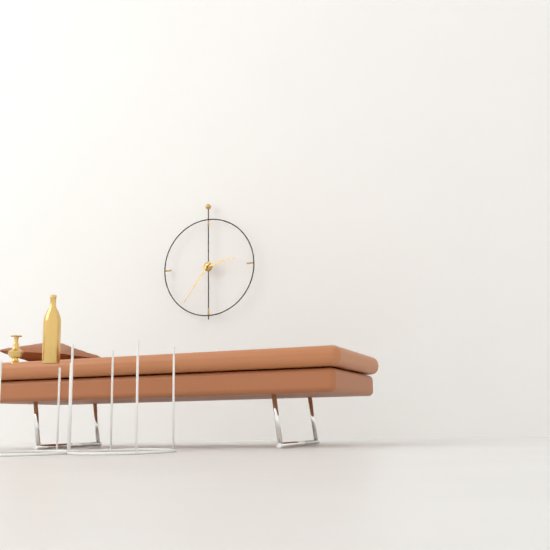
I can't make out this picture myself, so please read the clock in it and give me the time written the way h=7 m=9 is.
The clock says h=2 m=36
